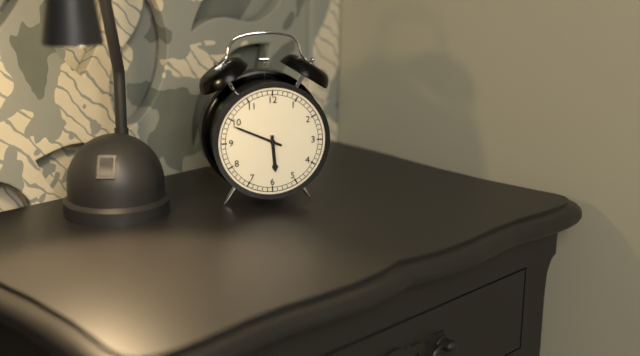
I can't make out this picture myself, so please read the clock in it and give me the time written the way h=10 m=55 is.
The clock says h=5 m=49
